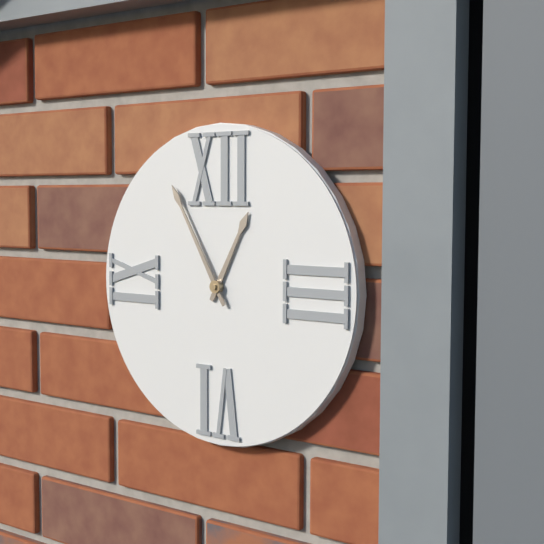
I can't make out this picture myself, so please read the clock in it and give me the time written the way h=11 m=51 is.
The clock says h=12 m=55
